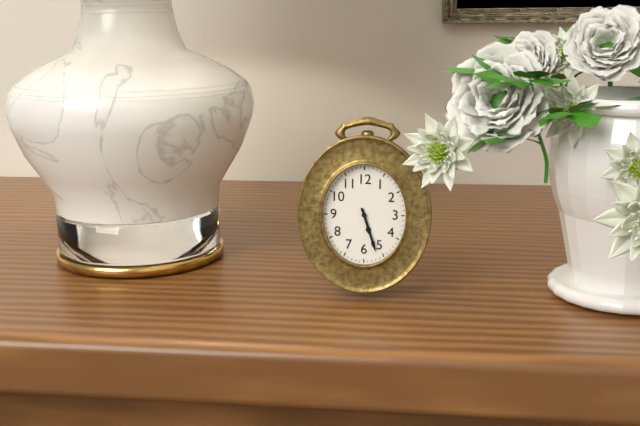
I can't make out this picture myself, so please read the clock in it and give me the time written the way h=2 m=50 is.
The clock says h=5 m=27
